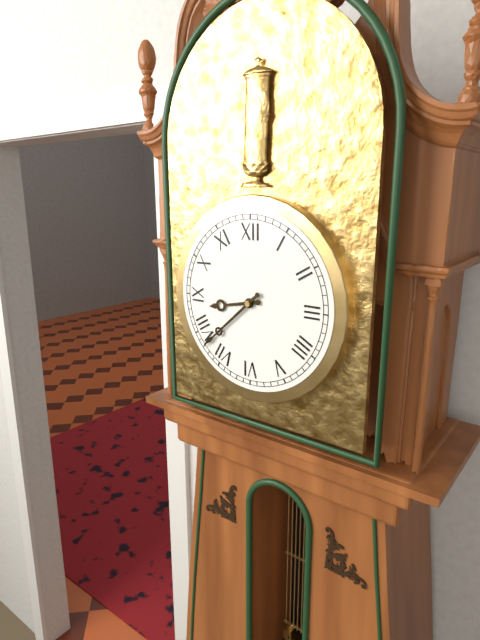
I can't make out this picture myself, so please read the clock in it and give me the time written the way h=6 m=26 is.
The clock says h=8 m=38
